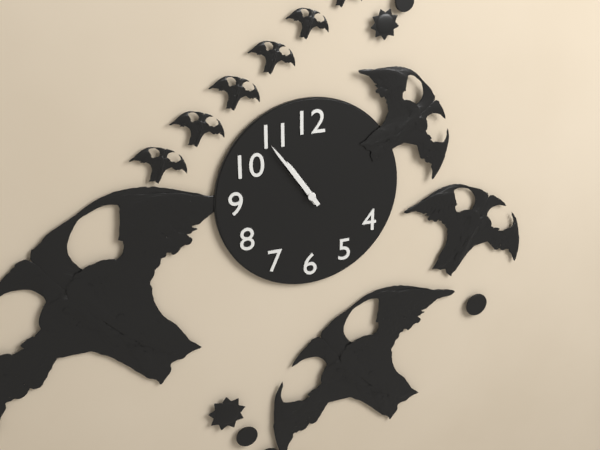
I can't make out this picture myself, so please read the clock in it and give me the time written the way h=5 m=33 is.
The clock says h=10 m=54
